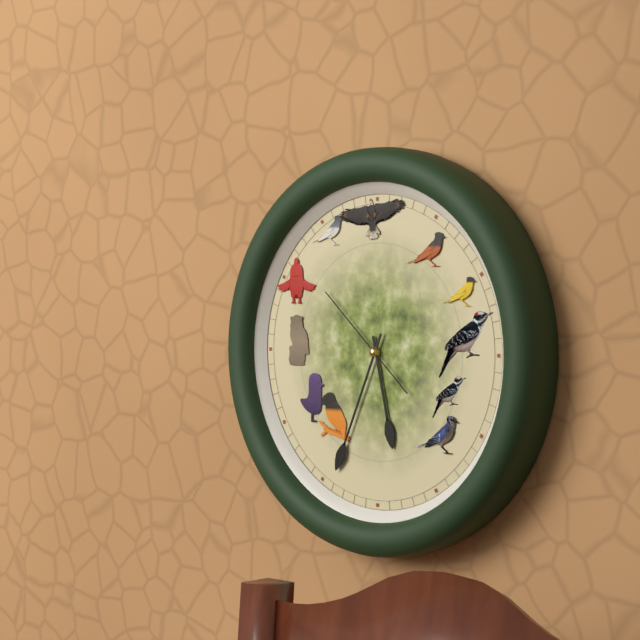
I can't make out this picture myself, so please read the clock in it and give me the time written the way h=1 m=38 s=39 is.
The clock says h=5 m=34 s=52
